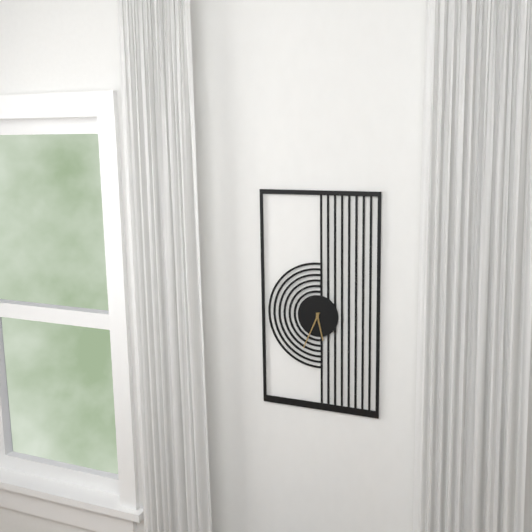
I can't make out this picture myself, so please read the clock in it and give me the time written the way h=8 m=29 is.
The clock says h=5 m=34
